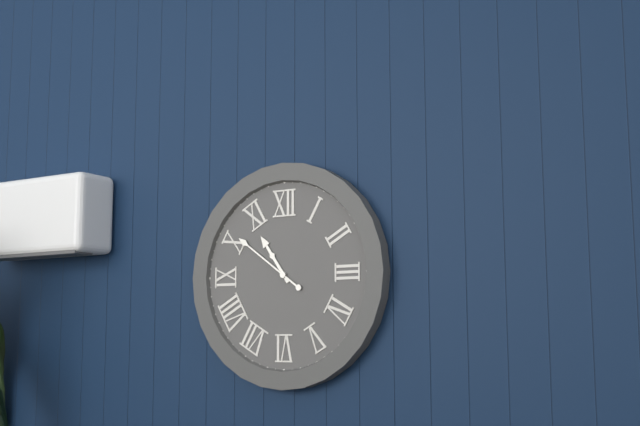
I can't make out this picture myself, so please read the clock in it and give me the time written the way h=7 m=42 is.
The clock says h=10 m=51
